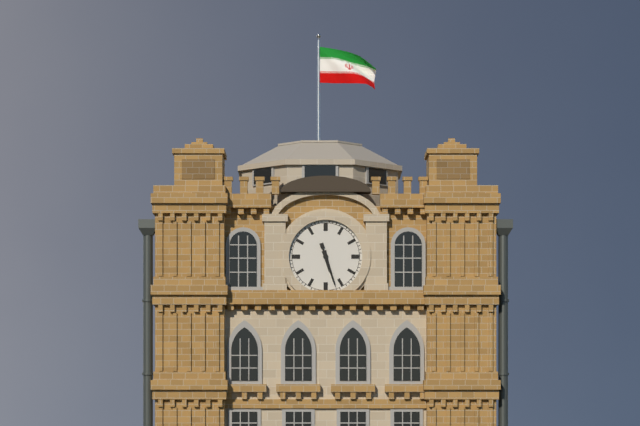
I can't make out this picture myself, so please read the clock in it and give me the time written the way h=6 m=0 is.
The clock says h=5 m=27
